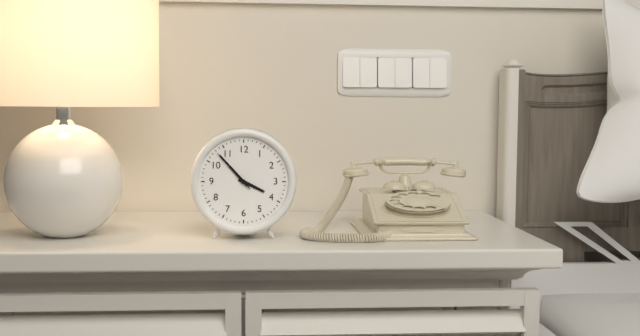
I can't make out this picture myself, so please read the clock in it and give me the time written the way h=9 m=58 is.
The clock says h=3 m=53
